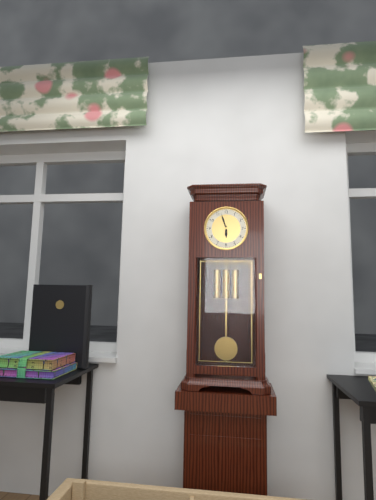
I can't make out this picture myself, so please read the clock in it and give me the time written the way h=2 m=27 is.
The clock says h=5 m=57
